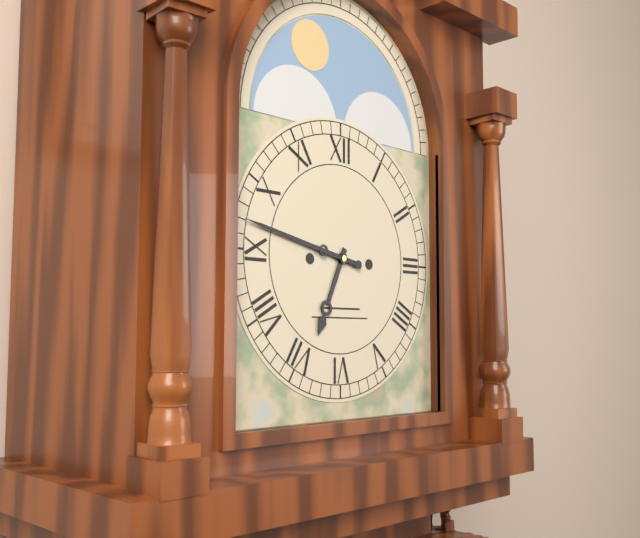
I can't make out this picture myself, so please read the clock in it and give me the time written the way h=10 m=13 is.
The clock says h=6 m=47
